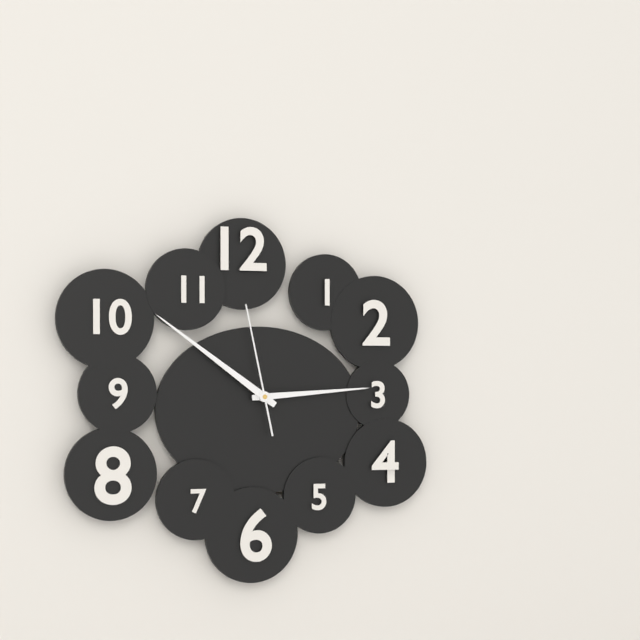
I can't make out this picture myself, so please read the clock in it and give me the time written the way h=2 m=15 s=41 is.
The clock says h=2 m=51 s=58
